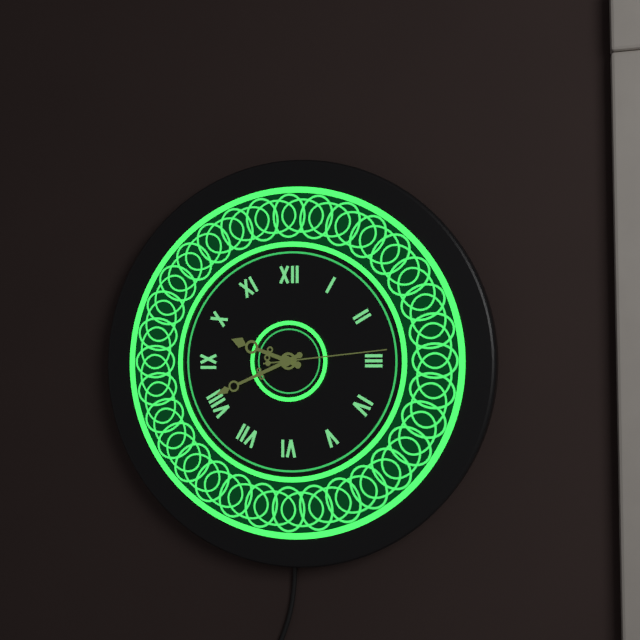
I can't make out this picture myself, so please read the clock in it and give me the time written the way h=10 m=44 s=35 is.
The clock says h=9 m=41 s=14
